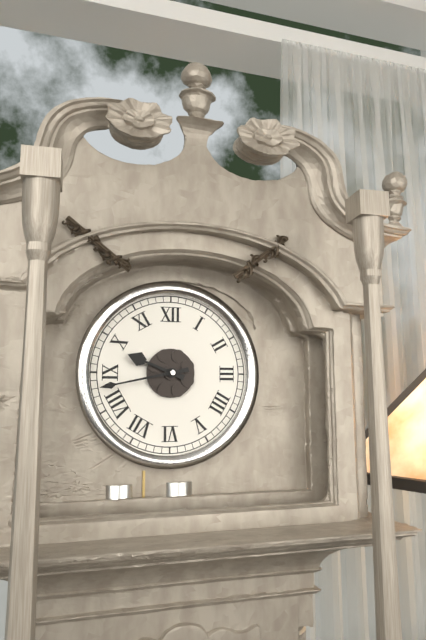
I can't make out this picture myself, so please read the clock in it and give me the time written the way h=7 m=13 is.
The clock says h=9 m=43
